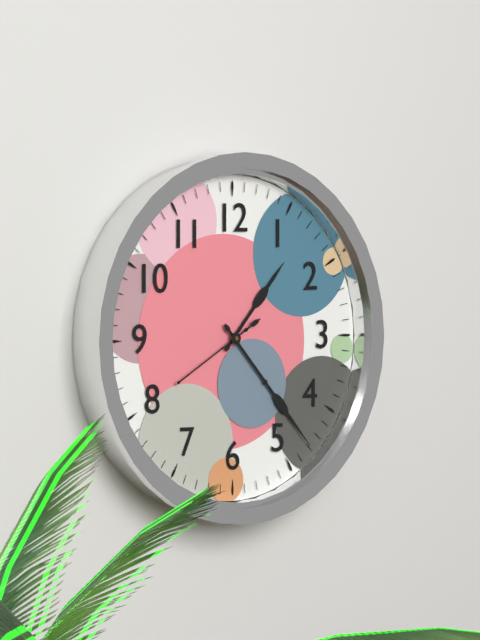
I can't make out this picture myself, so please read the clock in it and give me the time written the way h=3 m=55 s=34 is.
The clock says h=1 m=23 s=40
